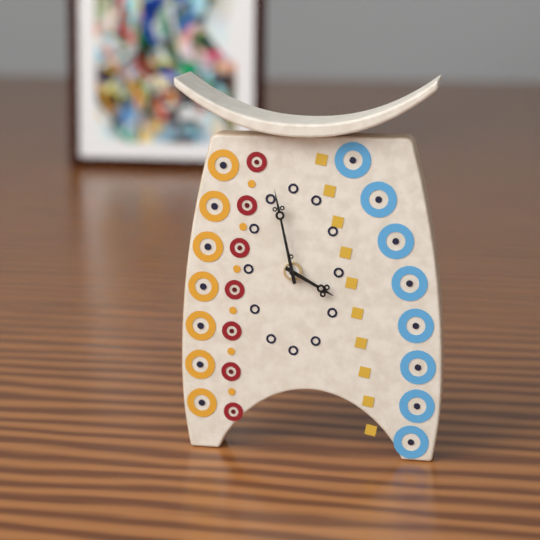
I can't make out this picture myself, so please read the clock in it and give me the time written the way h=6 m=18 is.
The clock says h=3 m=58
